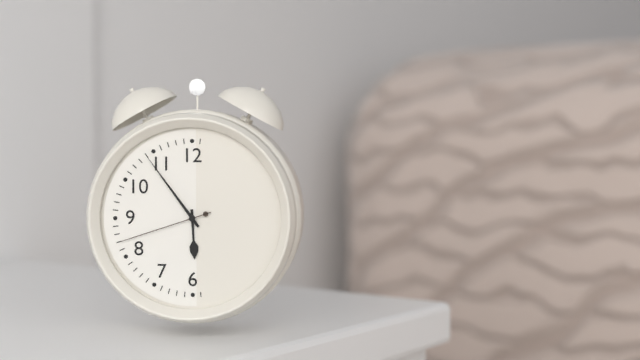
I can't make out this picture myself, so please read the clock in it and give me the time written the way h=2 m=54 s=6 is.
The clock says h=5 m=54 s=42
